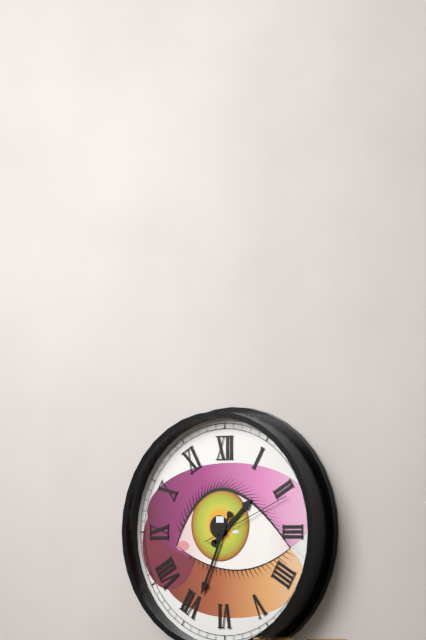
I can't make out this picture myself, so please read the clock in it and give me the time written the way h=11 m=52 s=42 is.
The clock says h=1 m=34 s=11
